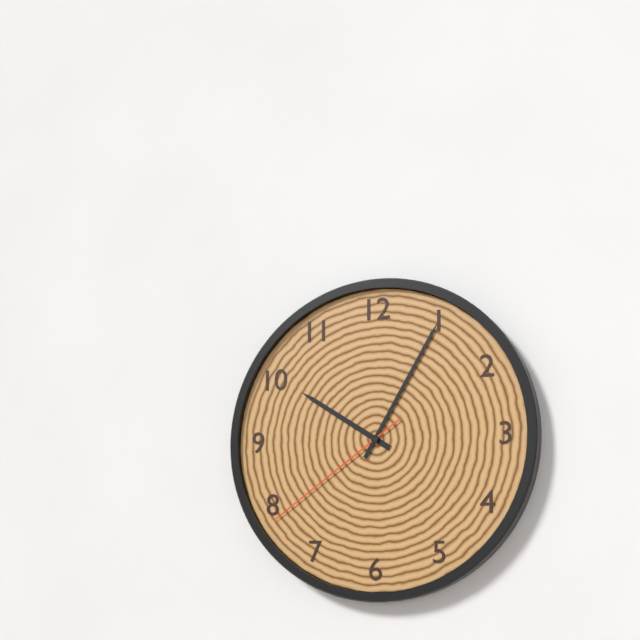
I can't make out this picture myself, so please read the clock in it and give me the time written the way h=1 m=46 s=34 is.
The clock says h=10 m=5 s=39
